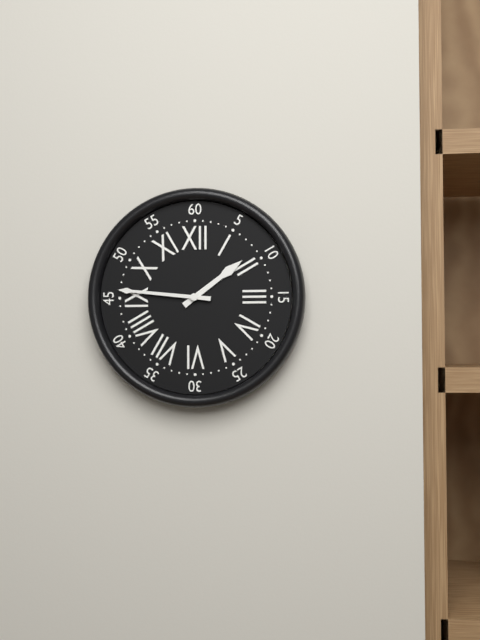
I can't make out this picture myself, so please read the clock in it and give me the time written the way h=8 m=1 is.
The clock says h=1 m=46
